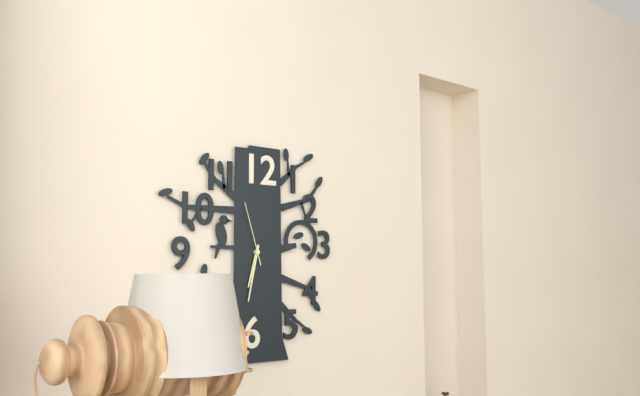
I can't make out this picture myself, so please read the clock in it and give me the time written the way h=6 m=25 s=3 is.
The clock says h=6 m=32 s=57
